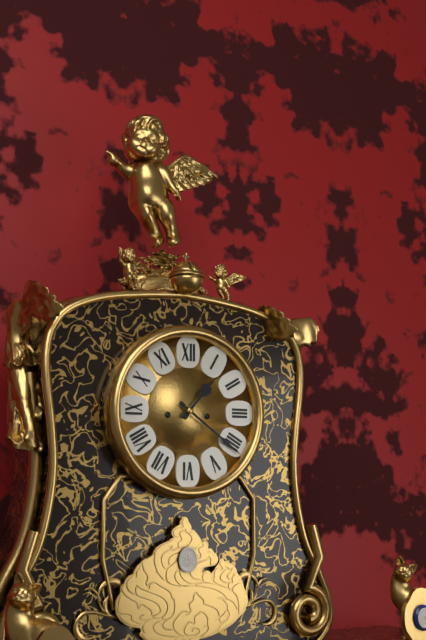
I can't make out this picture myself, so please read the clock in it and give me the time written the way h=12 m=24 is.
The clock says h=1 m=21
